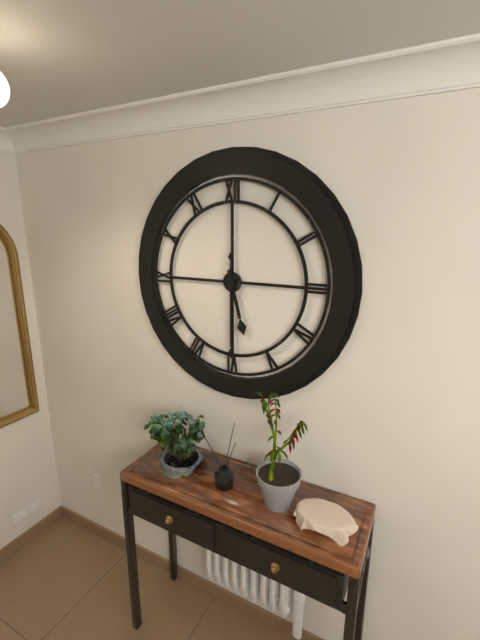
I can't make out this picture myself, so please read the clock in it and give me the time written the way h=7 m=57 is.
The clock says h=5 m=30
